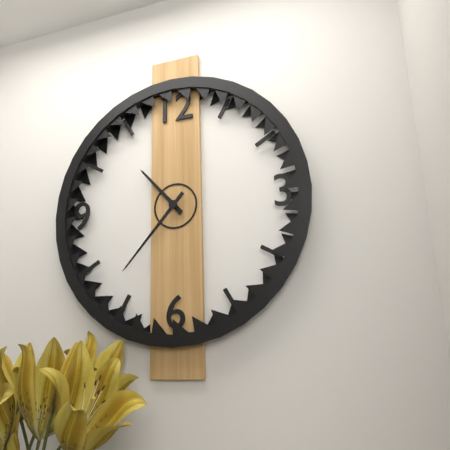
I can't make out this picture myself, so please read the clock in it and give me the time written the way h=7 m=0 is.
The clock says h=10 m=37
